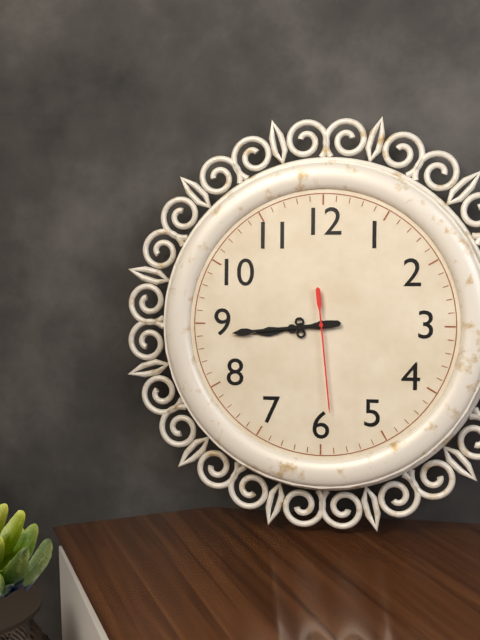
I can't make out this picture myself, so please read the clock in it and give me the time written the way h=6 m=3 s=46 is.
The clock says h=8 m=44 s=29
